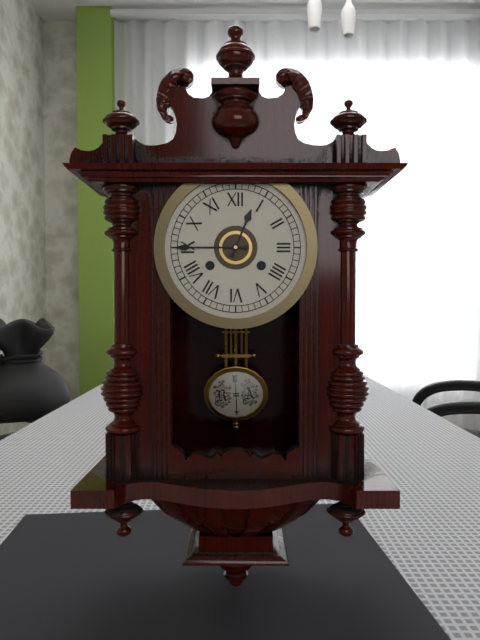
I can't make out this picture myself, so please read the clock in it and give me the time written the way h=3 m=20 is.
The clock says h=12 m=45
